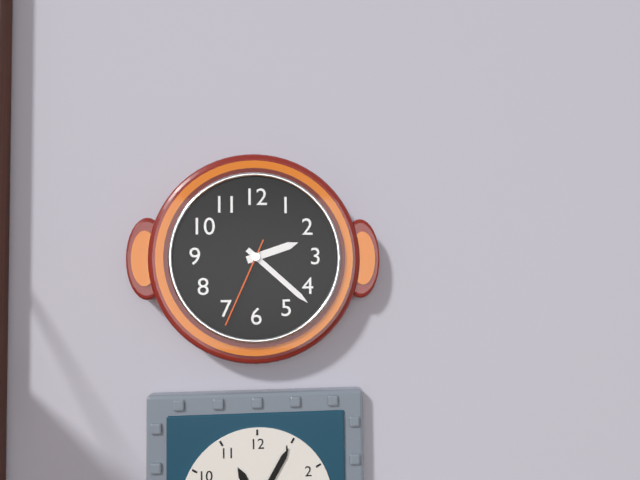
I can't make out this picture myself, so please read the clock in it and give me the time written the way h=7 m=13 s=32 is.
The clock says h=2 m=22 s=34
